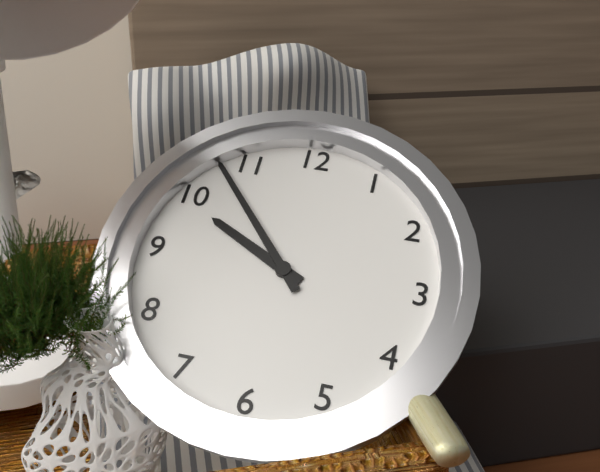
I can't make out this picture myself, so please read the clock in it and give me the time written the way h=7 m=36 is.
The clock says h=9 m=53
